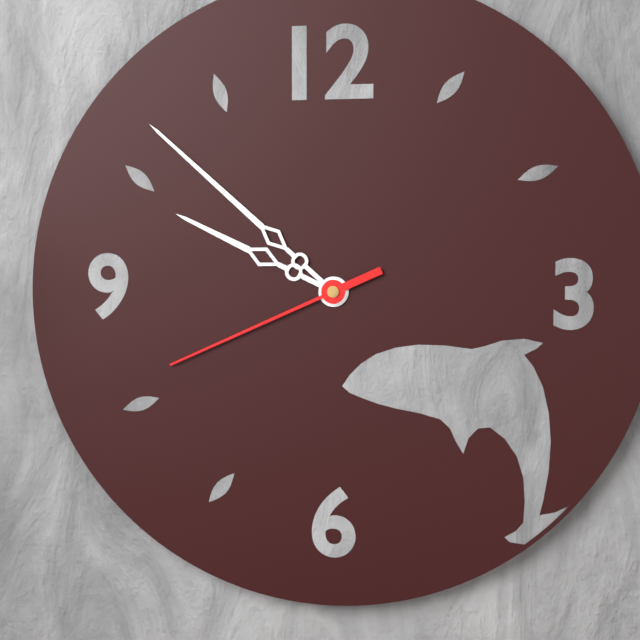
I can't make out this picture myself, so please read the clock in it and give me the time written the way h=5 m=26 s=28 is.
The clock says h=9 m=52 s=41
